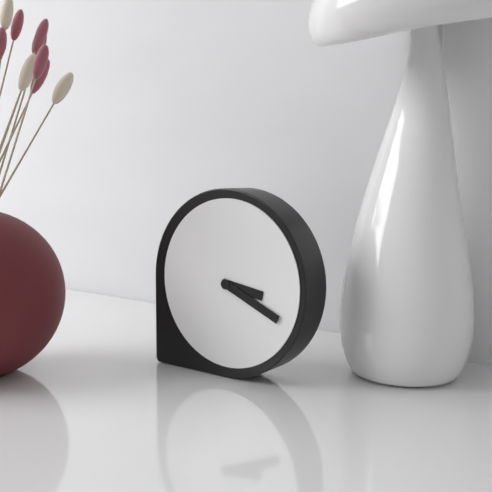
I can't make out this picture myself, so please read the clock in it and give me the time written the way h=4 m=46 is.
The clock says h=3 m=19
